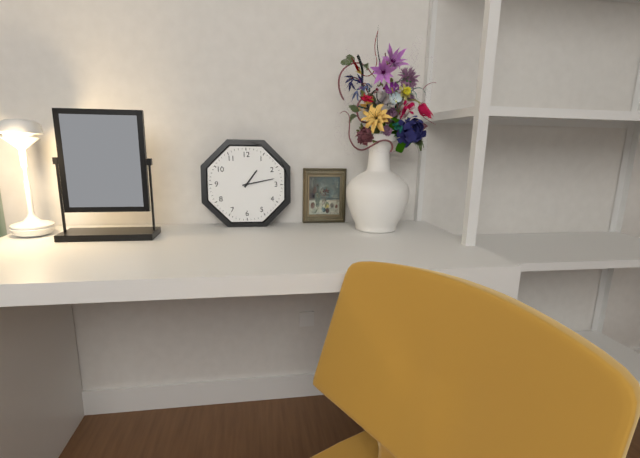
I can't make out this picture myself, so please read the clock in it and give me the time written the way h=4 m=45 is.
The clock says h=1 m=13
